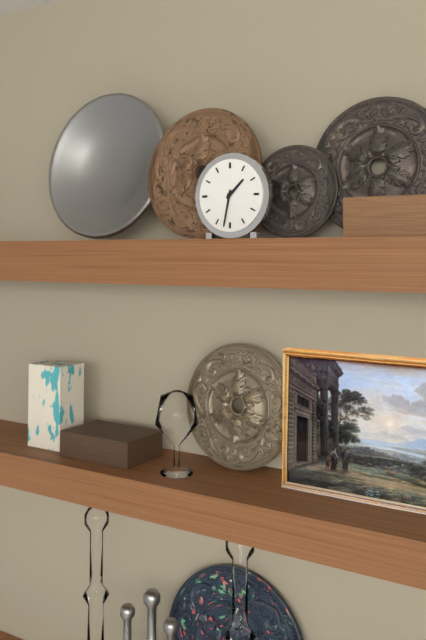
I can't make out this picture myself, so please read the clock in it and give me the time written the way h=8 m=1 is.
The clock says h=1 m=32
